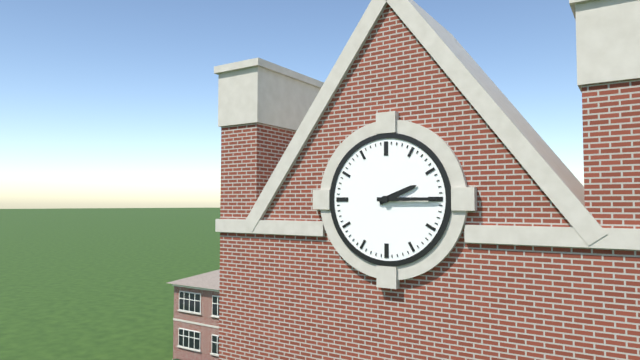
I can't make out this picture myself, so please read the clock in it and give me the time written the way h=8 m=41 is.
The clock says h=2 m=15
